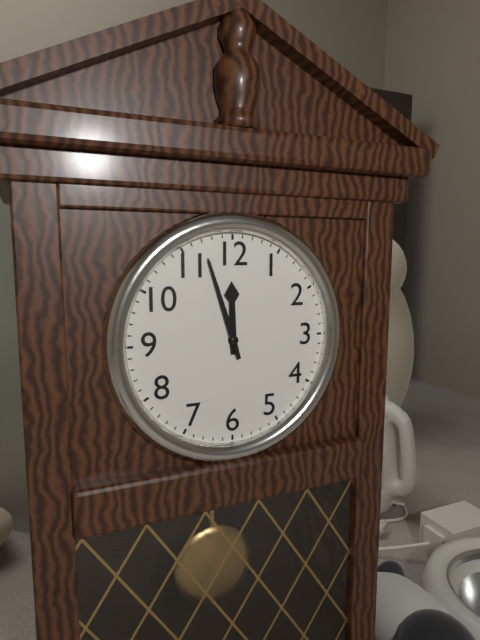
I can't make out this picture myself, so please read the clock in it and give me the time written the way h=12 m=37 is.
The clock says h=11 m=57
